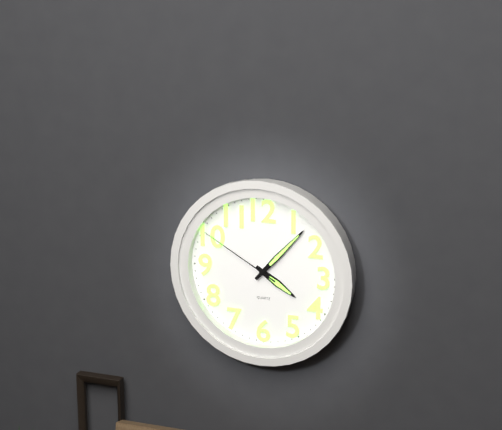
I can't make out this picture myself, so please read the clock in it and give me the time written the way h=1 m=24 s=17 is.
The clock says h=4 m=7 s=50
